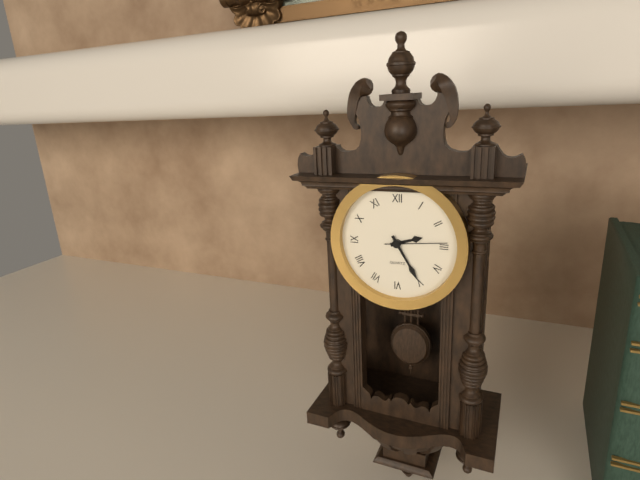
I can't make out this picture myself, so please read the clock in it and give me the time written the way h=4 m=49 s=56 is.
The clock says h=2 m=25 s=14
